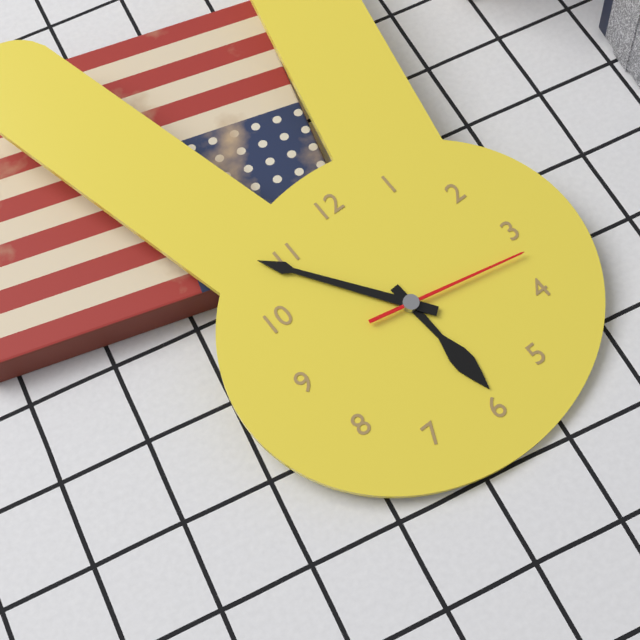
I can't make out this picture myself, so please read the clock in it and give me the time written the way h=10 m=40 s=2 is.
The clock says h=5 m=54 s=17
